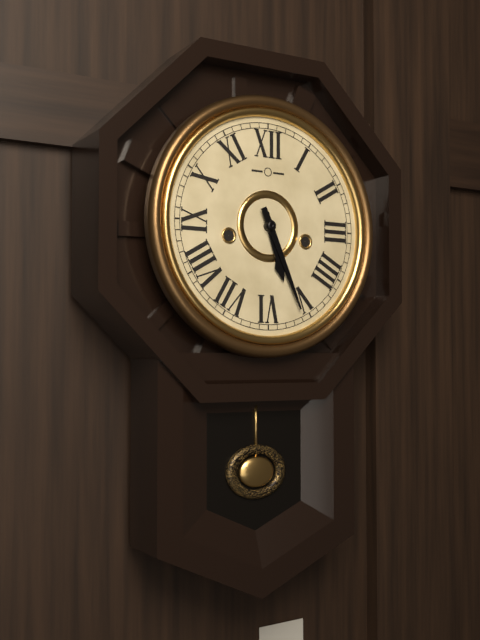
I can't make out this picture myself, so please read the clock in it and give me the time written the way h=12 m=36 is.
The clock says h=5 m=26
